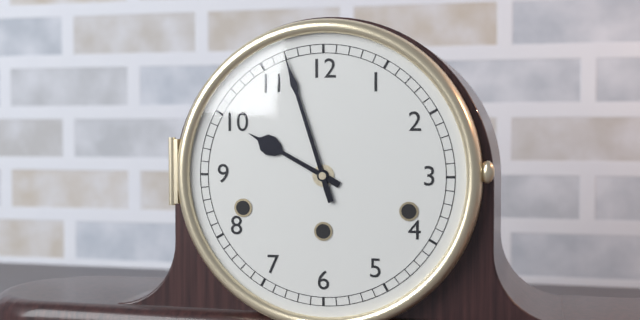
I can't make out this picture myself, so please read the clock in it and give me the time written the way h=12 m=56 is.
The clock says h=9 m=57
